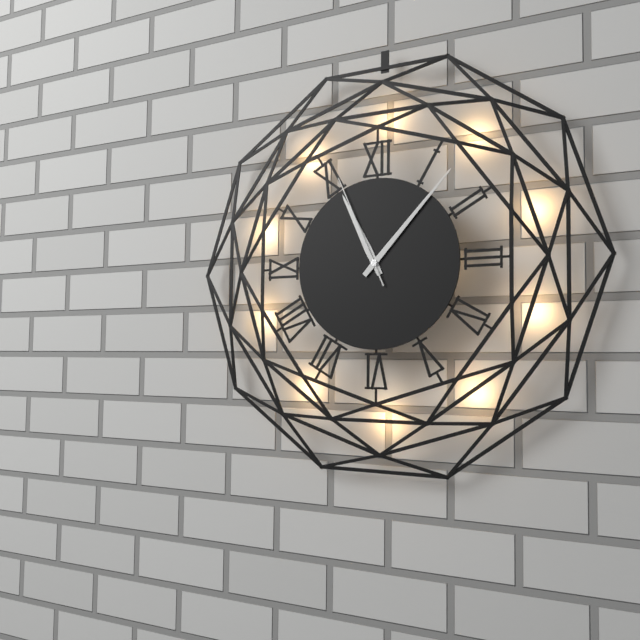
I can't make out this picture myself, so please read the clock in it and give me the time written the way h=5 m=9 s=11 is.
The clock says h=11 m=7 s=56
